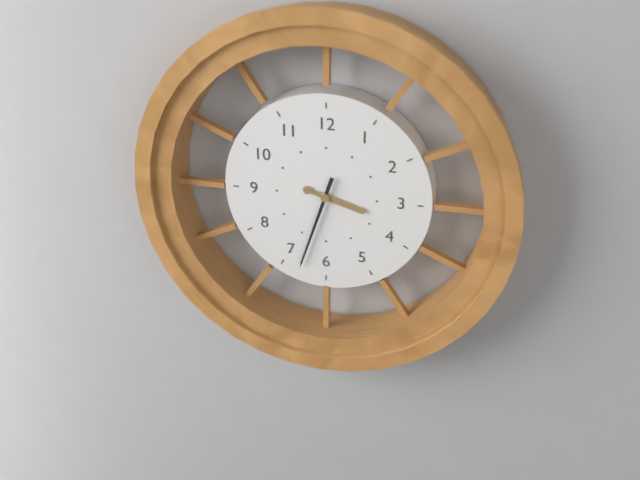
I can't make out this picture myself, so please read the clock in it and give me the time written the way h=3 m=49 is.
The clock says h=3 m=33
